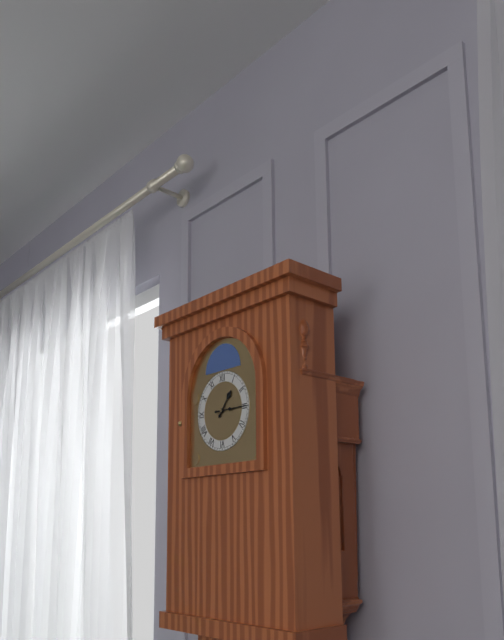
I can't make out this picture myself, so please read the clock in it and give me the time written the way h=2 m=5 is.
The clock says h=1 m=15
